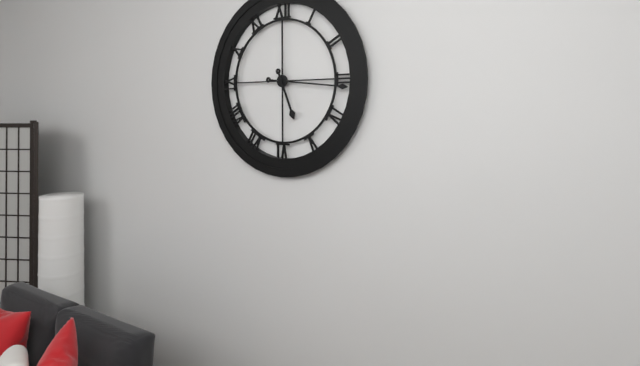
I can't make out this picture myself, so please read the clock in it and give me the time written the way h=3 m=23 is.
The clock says h=5 m=16
